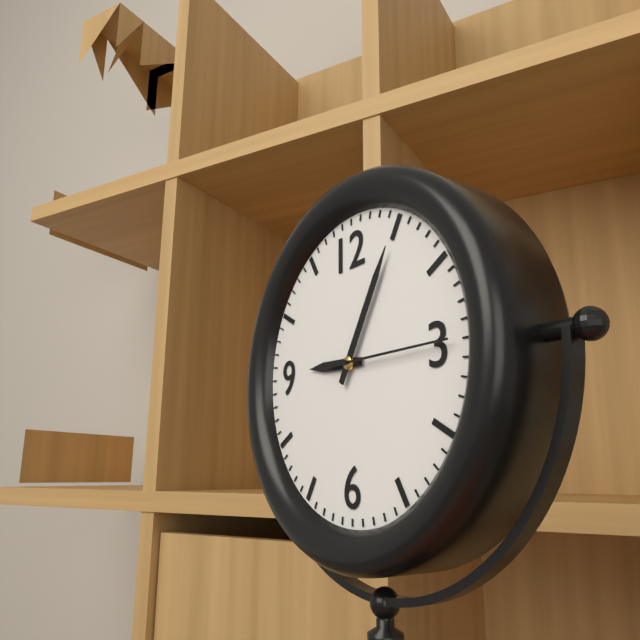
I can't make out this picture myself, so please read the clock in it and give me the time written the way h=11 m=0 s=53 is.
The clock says h=9 m=5 s=15
